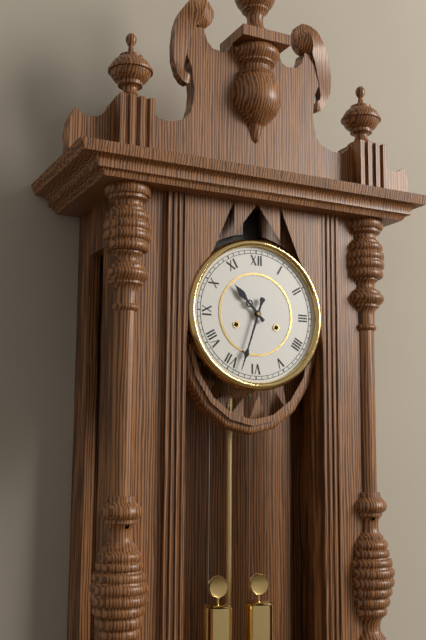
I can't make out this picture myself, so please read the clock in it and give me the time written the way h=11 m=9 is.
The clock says h=10 m=33
